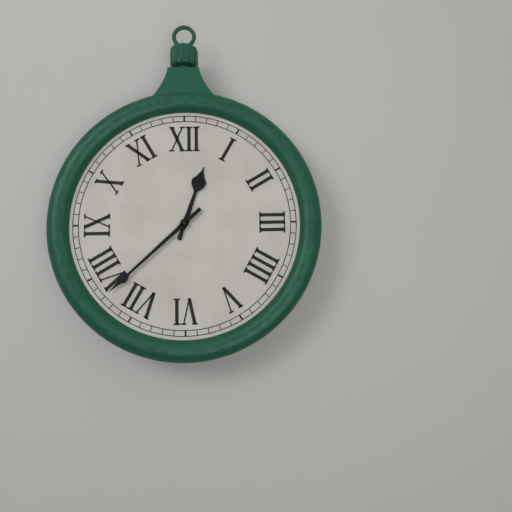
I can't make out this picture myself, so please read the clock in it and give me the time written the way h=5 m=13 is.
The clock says h=12 m=38
